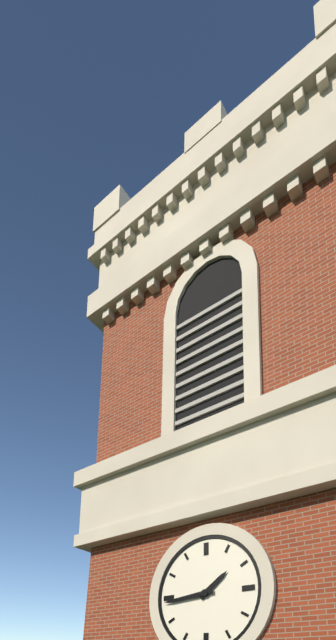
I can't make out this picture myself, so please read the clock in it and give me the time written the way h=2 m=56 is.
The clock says h=1 m=44
